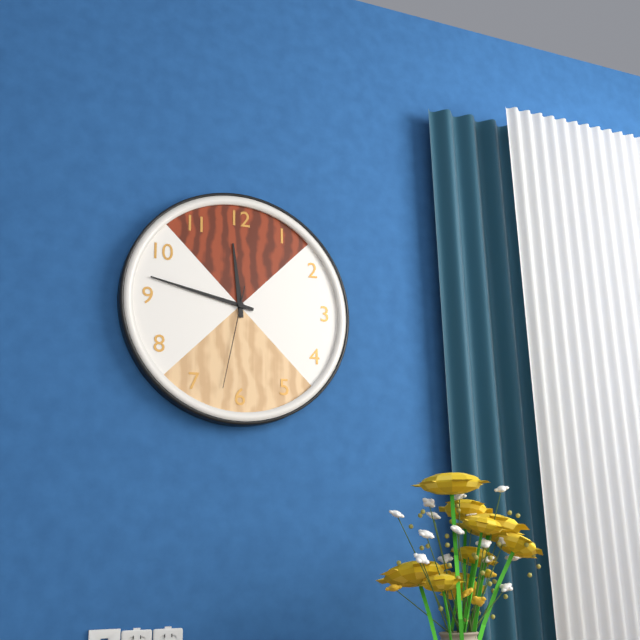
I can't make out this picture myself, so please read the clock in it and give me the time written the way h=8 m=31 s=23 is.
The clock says h=11 m=47 s=32
